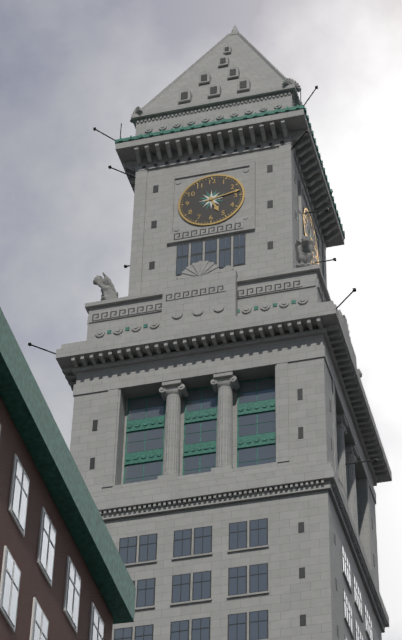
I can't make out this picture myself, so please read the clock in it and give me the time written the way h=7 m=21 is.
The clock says h=5 m=13
